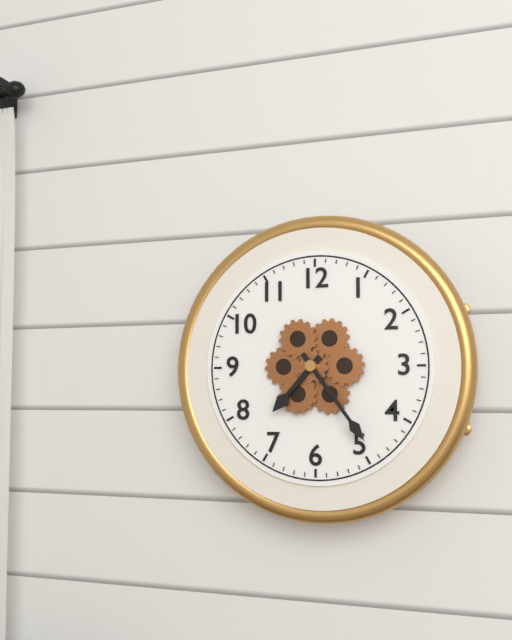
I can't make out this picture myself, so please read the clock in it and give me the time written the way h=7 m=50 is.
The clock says h=7 m=24
